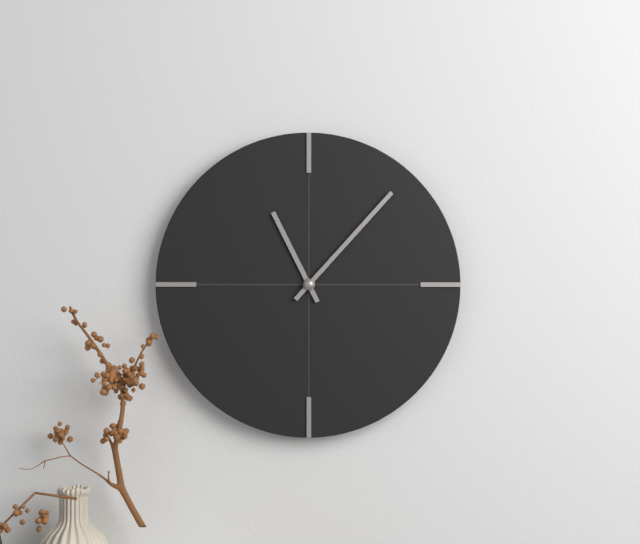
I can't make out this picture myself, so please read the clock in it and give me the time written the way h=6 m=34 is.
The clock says h=11 m=7
